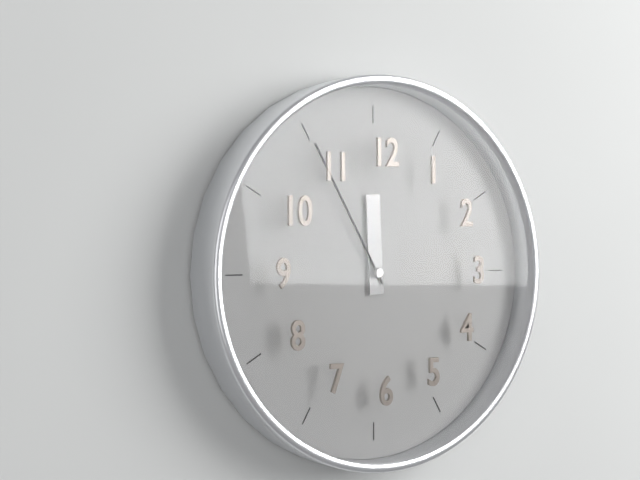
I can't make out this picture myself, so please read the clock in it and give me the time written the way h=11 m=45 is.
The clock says h=11 m=55
